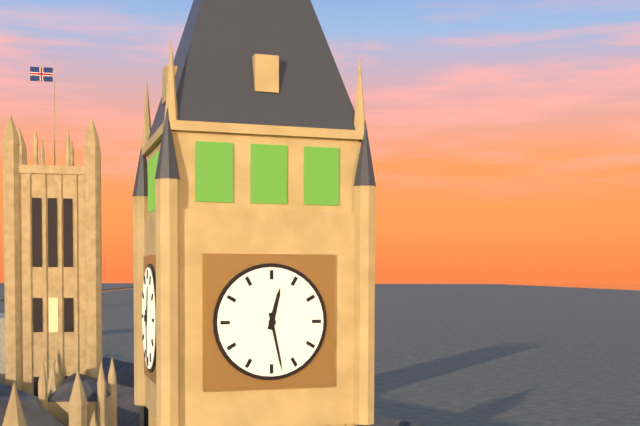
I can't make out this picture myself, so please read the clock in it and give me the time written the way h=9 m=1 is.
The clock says h=12 m=28
